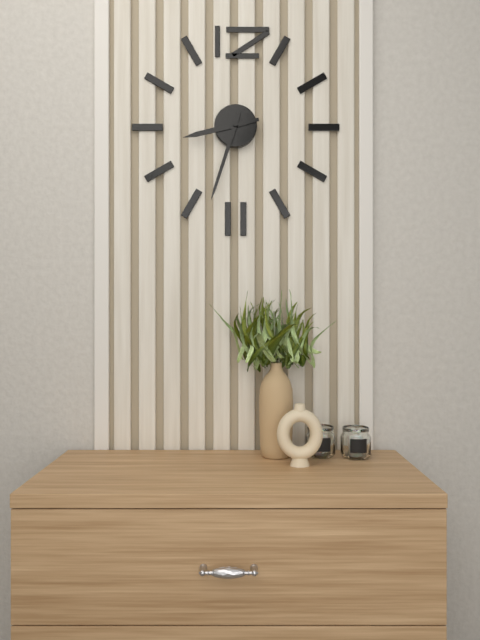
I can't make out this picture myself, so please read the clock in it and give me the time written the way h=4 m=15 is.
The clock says h=8 m=33
